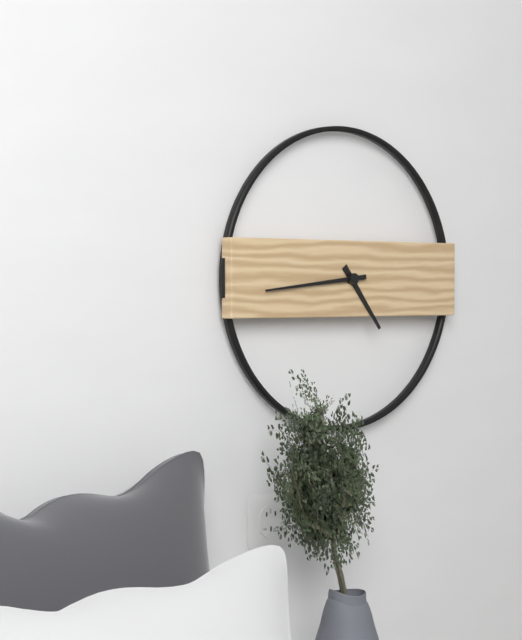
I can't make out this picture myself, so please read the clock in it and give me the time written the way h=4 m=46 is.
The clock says h=4 m=44
